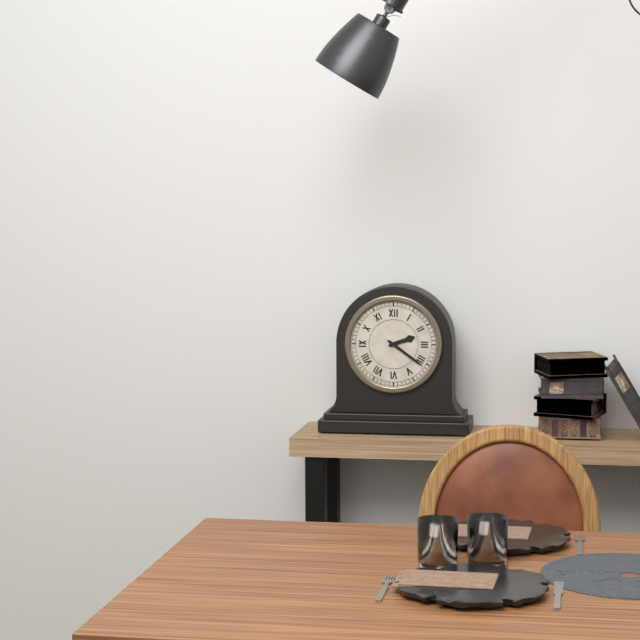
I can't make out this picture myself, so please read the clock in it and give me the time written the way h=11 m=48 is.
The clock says h=2 m=21
